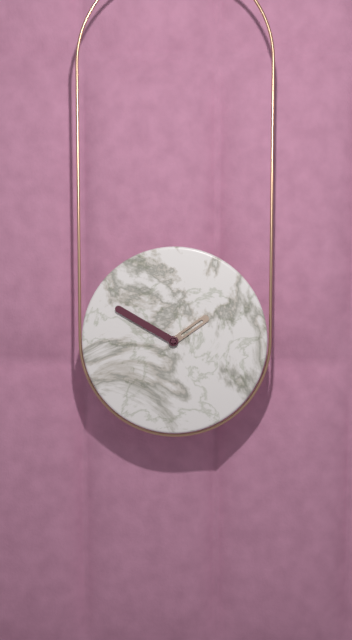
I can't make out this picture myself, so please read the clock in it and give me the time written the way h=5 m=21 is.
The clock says h=1 m=50
